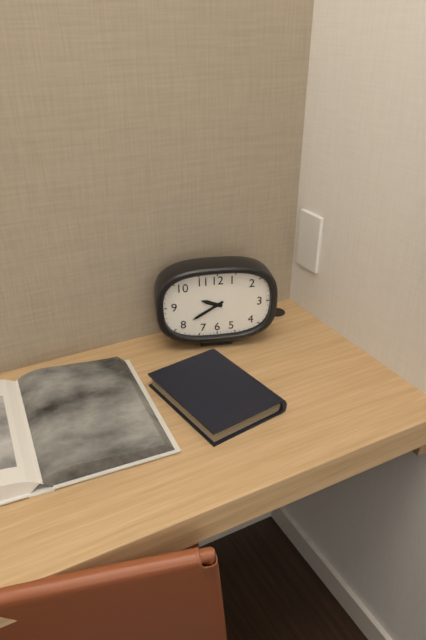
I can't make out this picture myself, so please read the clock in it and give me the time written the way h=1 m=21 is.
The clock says h=9 m=40
